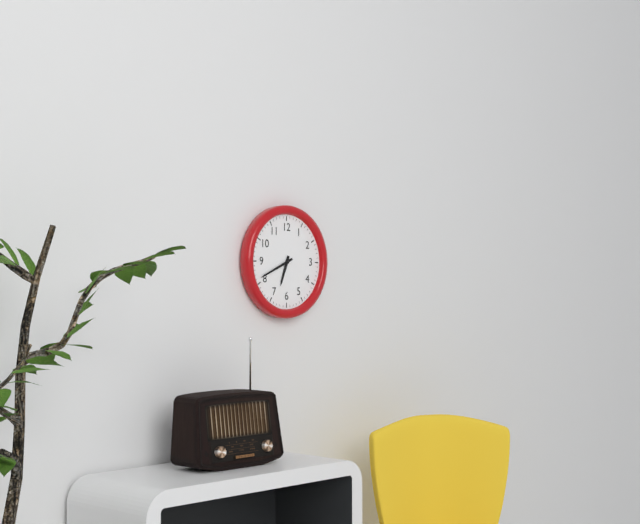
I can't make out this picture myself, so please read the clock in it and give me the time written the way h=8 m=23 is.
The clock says h=6 m=41
